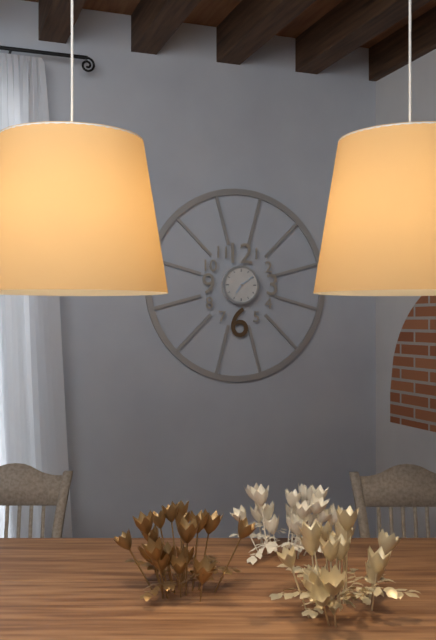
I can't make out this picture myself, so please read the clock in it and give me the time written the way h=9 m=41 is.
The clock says h=7 m=9
